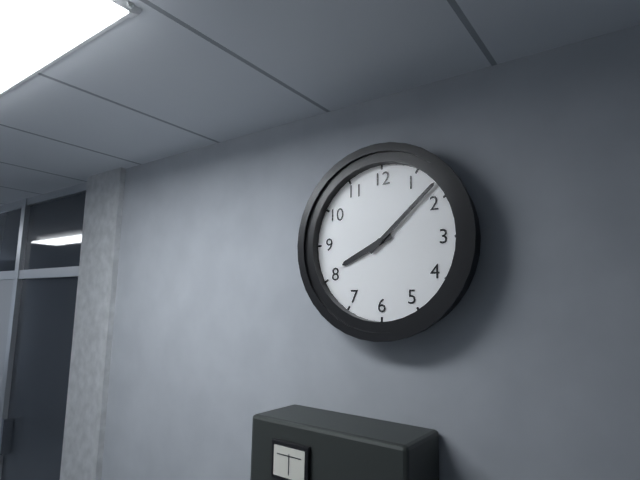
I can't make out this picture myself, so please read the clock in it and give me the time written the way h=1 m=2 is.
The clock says h=8 m=8
